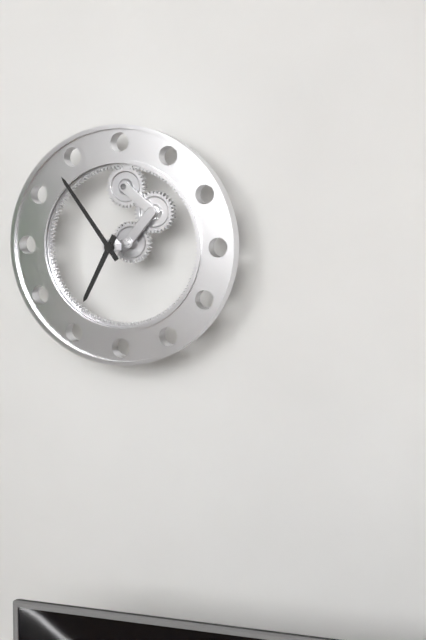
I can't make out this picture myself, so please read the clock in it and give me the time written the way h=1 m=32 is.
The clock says h=6 m=54
